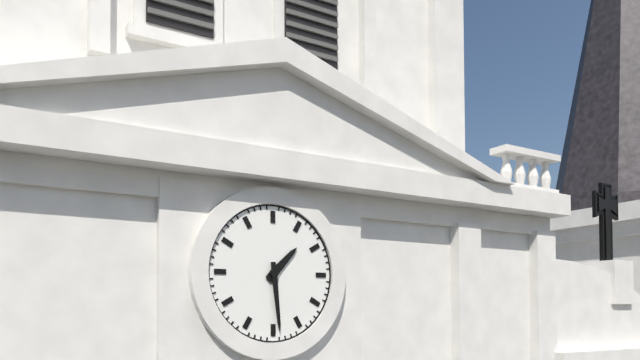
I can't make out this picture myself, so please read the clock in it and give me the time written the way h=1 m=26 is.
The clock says h=1 m=29
